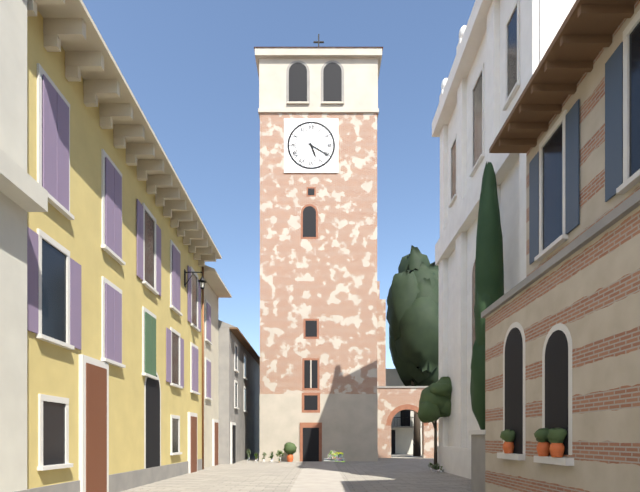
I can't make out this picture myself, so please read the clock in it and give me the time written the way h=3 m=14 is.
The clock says h=5 m=20
